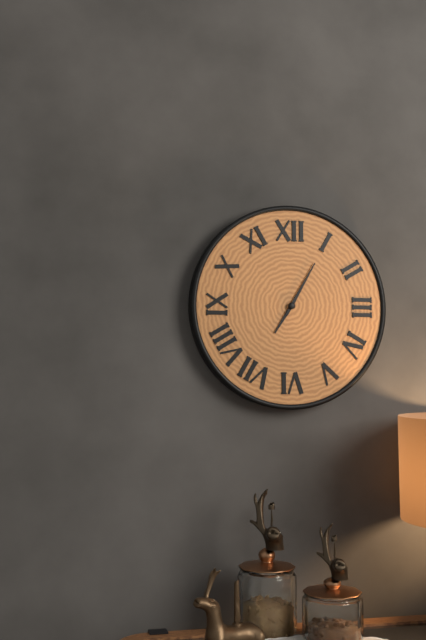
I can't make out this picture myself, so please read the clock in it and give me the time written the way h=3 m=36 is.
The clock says h=7 m=5
